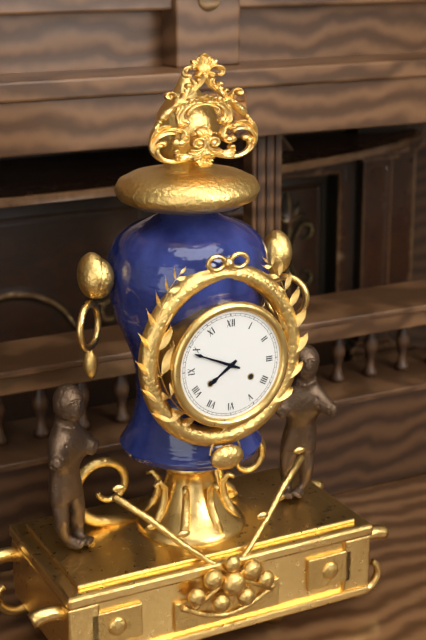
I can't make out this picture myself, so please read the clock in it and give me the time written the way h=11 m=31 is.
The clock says h=7 m=49
